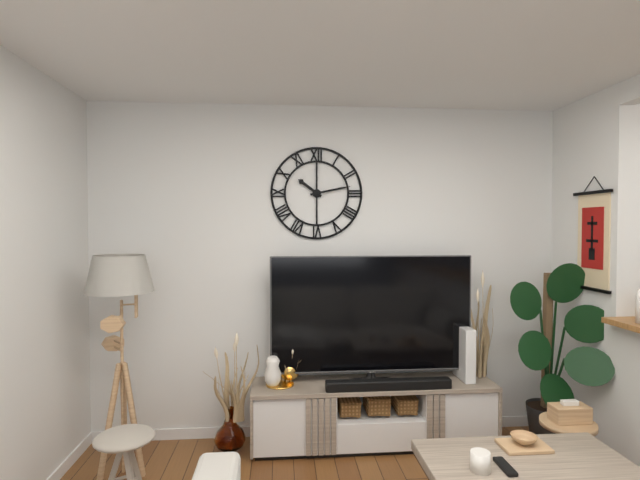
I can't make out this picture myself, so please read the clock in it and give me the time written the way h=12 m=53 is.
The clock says h=10 m=13
